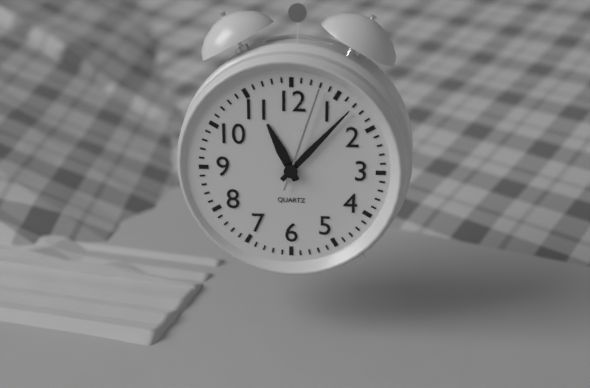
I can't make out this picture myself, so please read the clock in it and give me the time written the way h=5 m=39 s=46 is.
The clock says h=11 m=7 s=3
